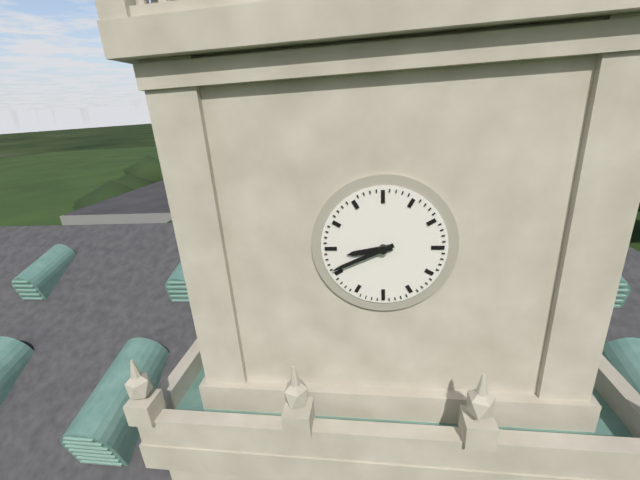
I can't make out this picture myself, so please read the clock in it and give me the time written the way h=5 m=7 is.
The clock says h=8 m=41
